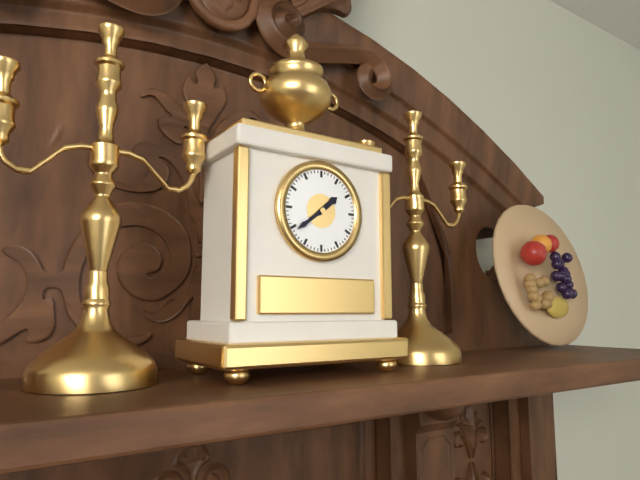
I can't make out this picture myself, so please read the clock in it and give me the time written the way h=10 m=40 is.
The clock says h=1 m=39
